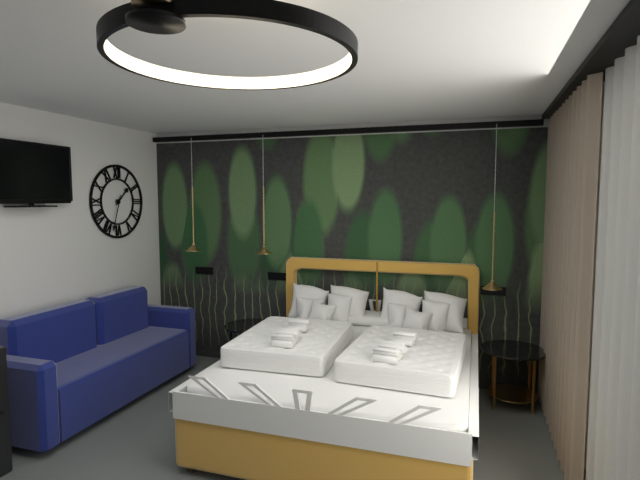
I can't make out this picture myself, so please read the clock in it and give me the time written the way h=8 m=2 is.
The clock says h=1 m=33
